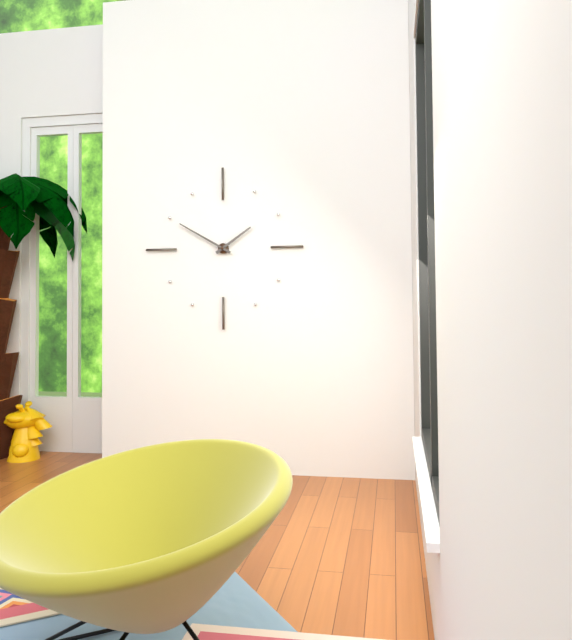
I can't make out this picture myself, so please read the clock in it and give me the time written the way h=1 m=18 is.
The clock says h=1 m=50
